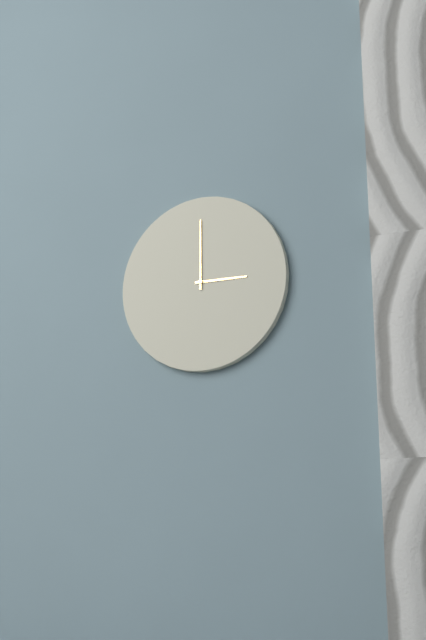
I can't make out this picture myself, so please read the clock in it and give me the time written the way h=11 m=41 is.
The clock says h=3 m=0
